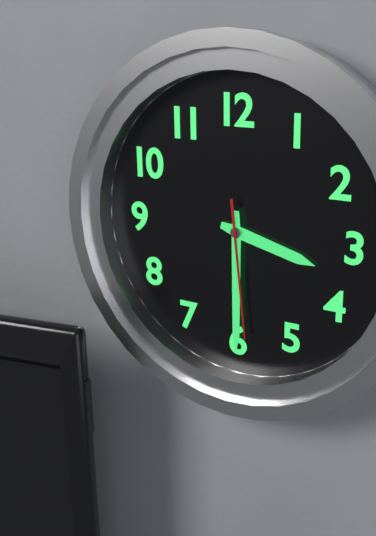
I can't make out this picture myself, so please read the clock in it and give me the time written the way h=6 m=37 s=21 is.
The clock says h=3 m=30 s=29
